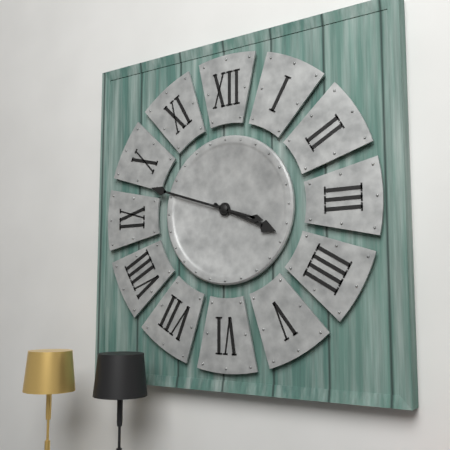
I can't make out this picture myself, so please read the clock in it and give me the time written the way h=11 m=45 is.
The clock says h=3 m=48
